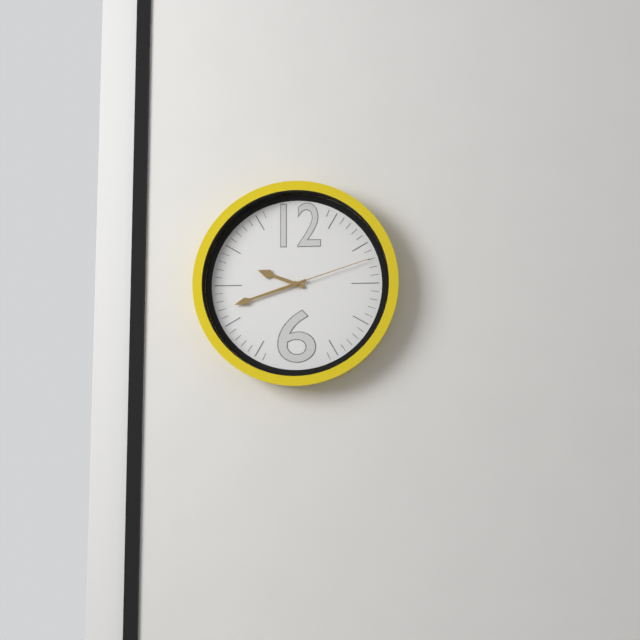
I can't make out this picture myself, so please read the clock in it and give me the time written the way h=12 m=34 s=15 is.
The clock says h=9 m=42 s=12
